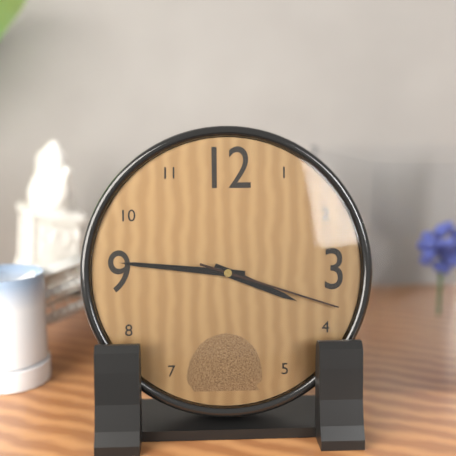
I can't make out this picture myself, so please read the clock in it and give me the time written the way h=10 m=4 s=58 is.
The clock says h=3 m=46 s=18
